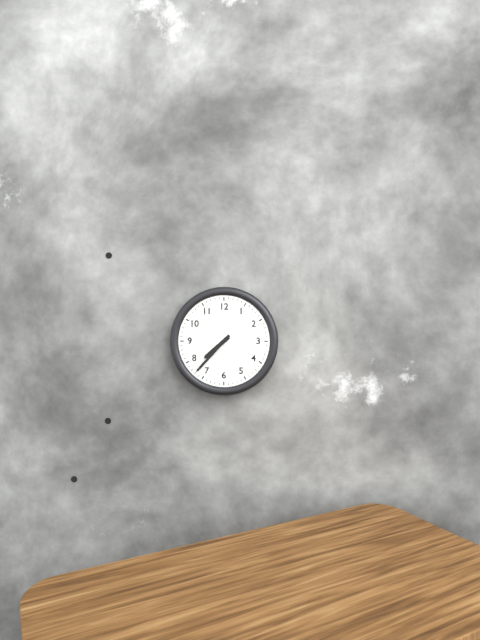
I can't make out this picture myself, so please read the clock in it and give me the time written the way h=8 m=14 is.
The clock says h=7 m=37
